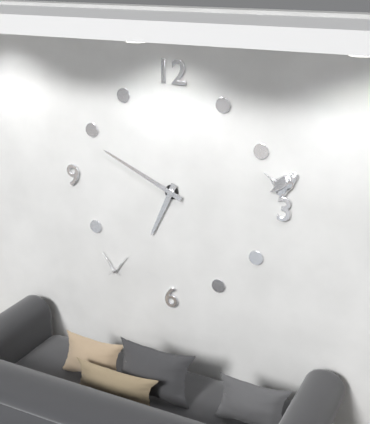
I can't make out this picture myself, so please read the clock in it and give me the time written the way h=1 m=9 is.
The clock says h=6 m=49
